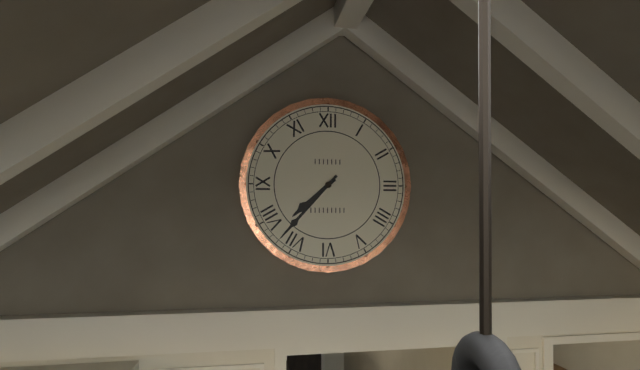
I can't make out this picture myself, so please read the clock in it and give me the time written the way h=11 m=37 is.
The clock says h=7 m=37
